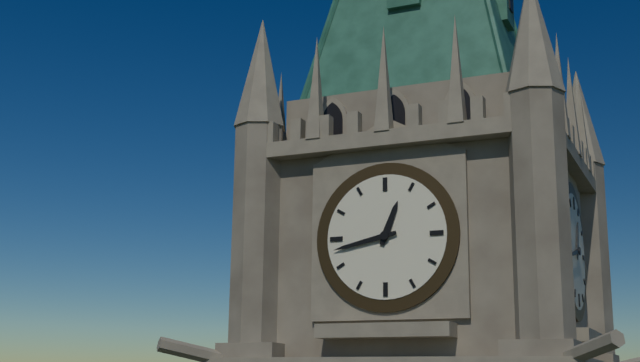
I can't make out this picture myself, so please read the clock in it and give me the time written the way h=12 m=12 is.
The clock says h=12 m=43
